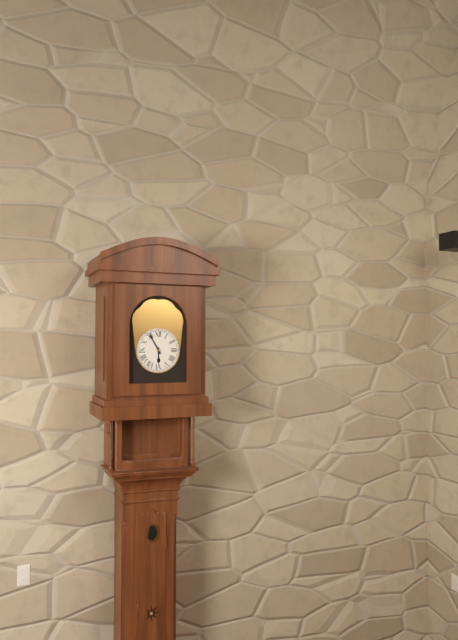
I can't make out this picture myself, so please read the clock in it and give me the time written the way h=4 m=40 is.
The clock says h=5 m=55
